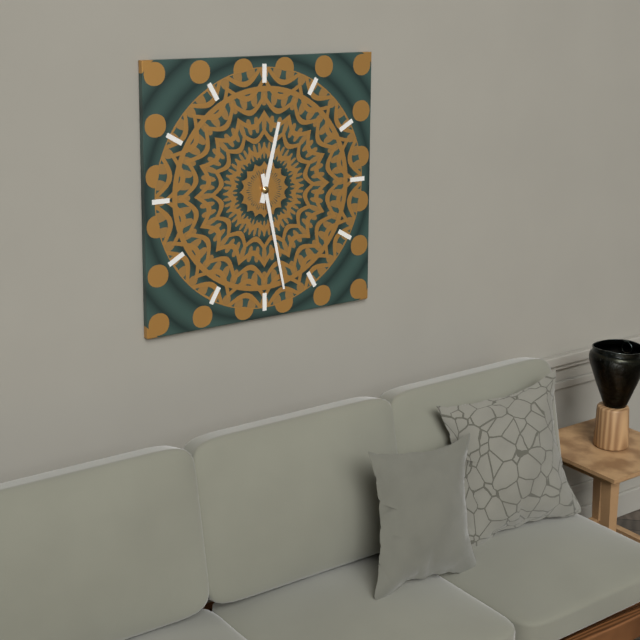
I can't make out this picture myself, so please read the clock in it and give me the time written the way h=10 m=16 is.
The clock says h=12 m=28
